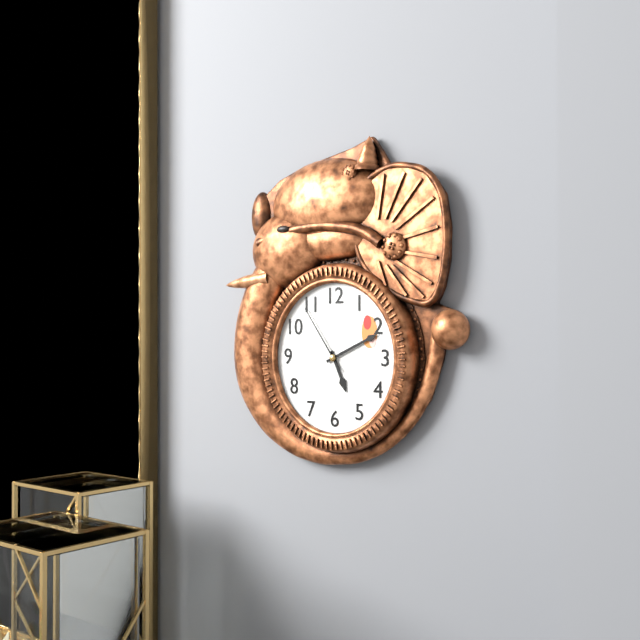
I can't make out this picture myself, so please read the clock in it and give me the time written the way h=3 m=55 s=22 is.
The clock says h=5 m=11 s=54
